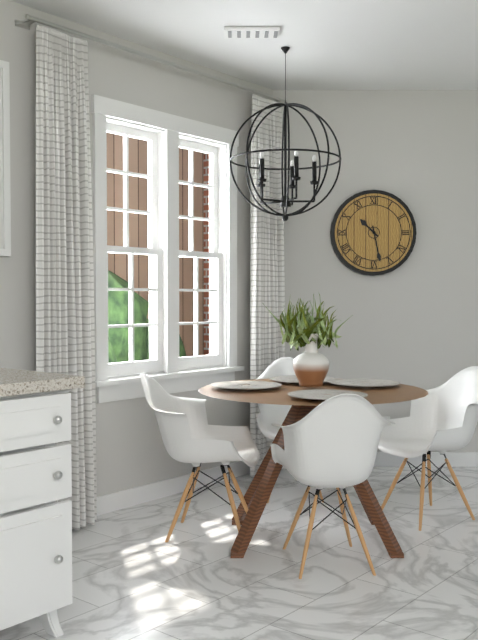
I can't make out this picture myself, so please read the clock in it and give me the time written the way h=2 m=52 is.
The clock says h=10 m=28
